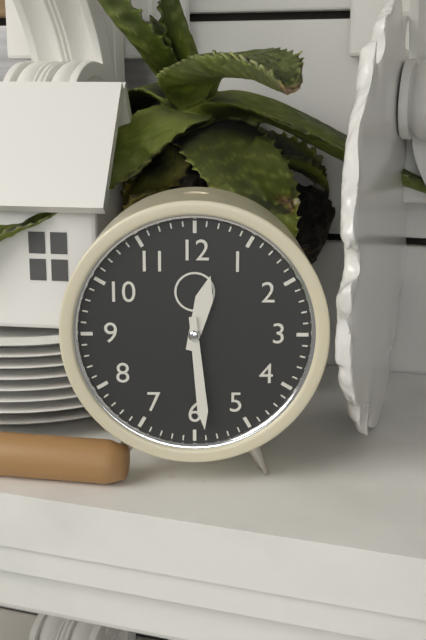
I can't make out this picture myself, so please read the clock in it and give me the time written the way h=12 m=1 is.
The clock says h=12 m=29
